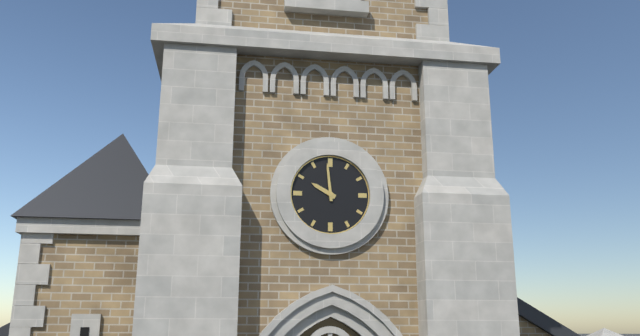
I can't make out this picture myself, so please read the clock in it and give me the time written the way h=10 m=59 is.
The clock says h=9 m=59
